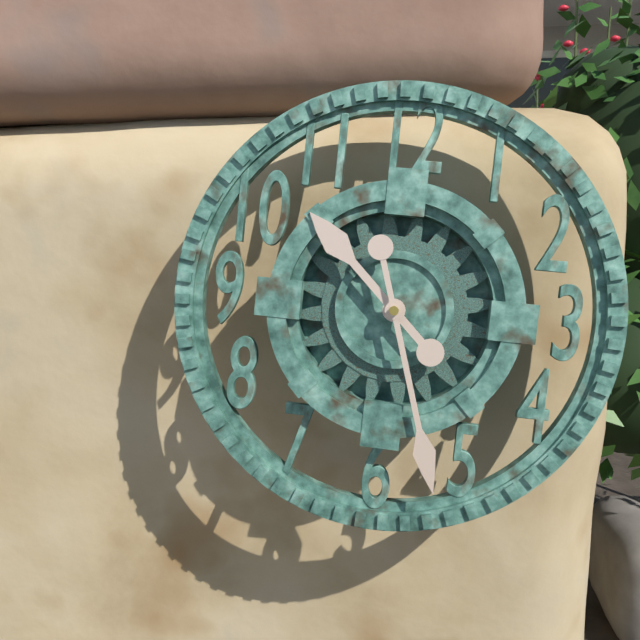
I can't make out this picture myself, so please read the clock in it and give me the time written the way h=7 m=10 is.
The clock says h=10 m=27
